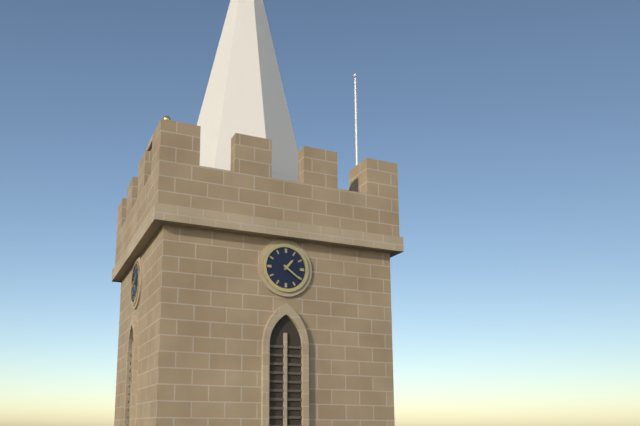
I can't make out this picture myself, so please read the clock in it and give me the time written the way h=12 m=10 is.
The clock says h=1 m=21
